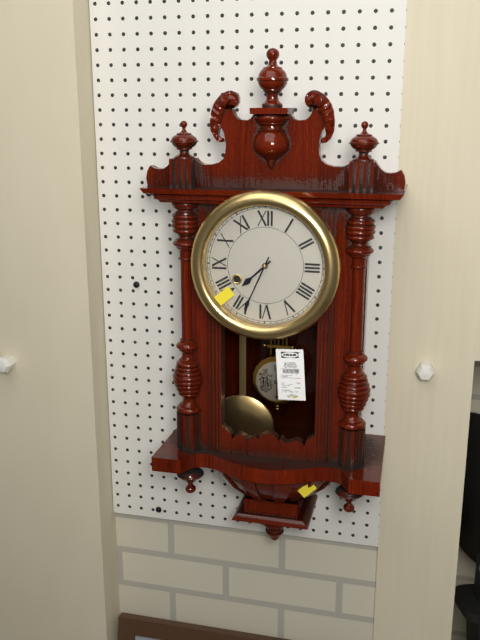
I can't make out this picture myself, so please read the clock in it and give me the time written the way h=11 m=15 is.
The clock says h=7 m=34
